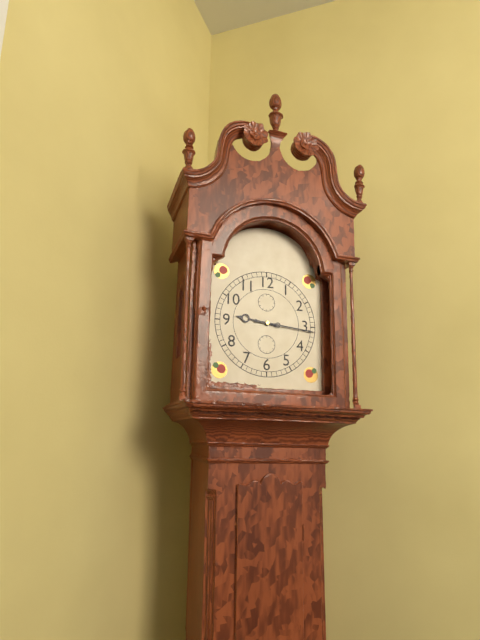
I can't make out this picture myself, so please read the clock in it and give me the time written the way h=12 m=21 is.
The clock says h=9 m=16
